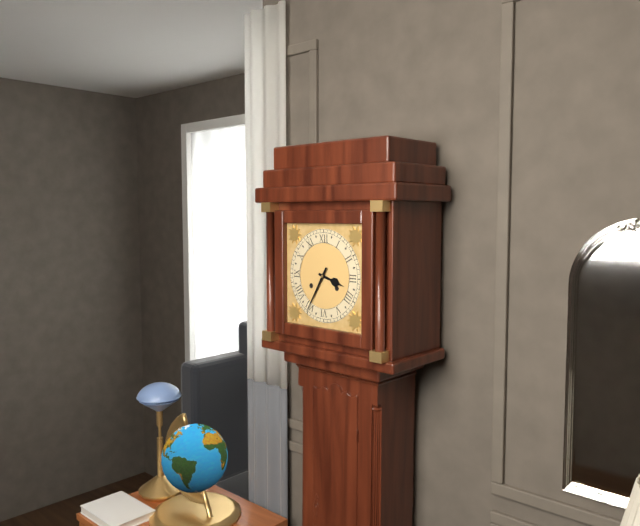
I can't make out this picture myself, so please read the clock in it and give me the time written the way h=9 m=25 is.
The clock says h=3 m=35
